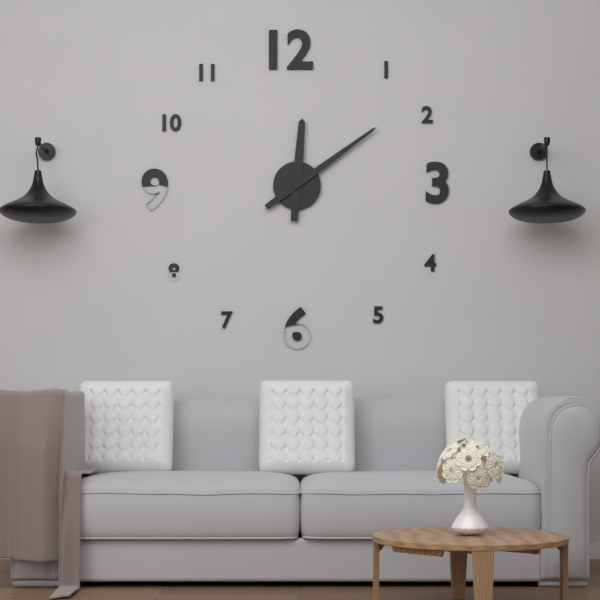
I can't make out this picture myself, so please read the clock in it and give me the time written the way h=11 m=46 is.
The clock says h=12 m=9
